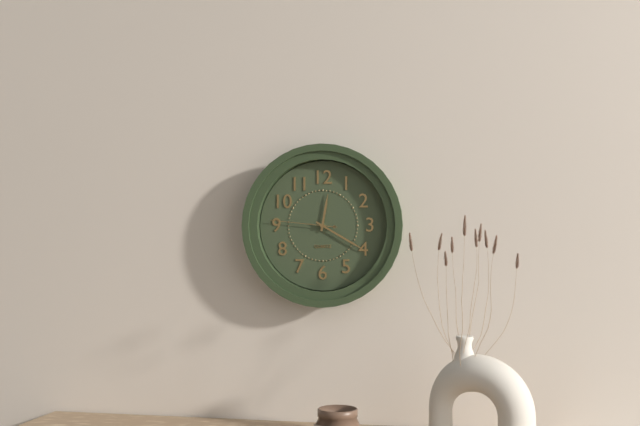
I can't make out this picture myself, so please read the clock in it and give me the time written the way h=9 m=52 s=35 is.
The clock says h=12 m=20 s=46
